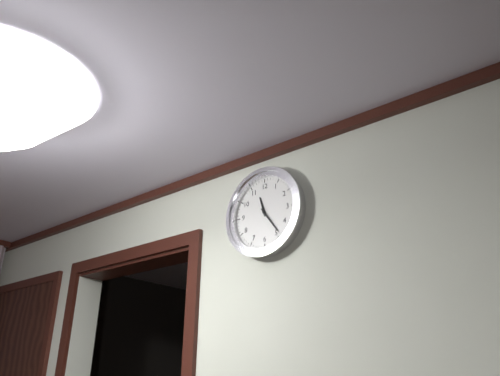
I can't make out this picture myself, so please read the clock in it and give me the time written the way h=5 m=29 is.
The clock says h=11 m=24
